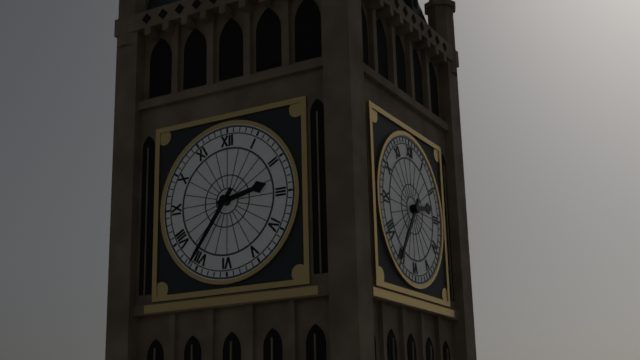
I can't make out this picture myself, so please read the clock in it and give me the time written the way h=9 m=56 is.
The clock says h=2 m=36
